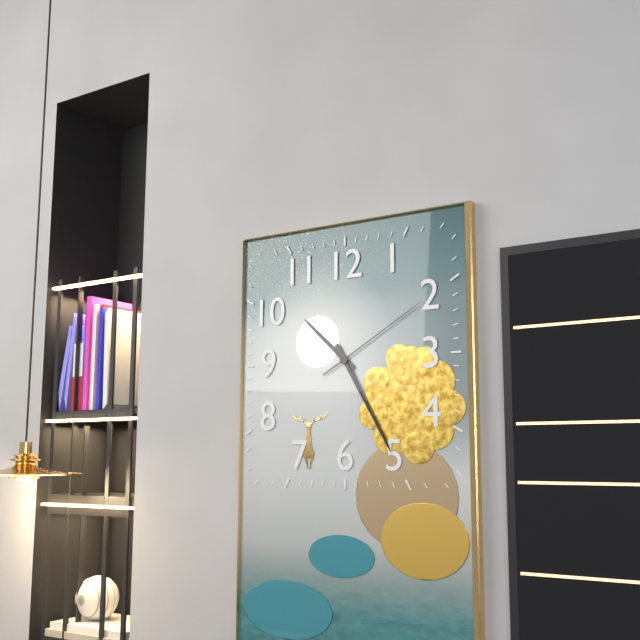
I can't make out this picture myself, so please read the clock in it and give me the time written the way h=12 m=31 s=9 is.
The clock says h=10 m=25 s=10
